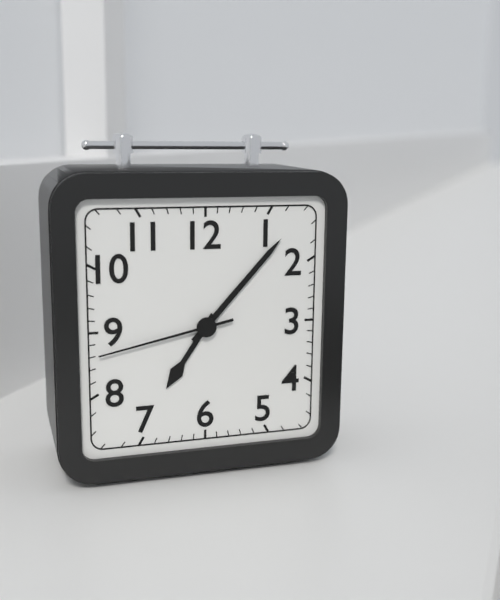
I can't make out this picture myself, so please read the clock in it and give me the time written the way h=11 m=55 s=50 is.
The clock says h=7 m=7 s=43
